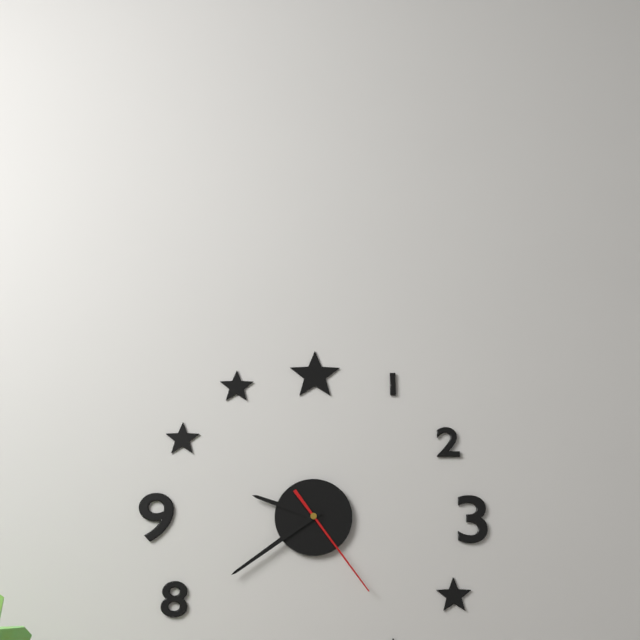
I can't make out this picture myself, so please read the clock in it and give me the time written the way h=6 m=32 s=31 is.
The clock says h=9 m=39 s=24
